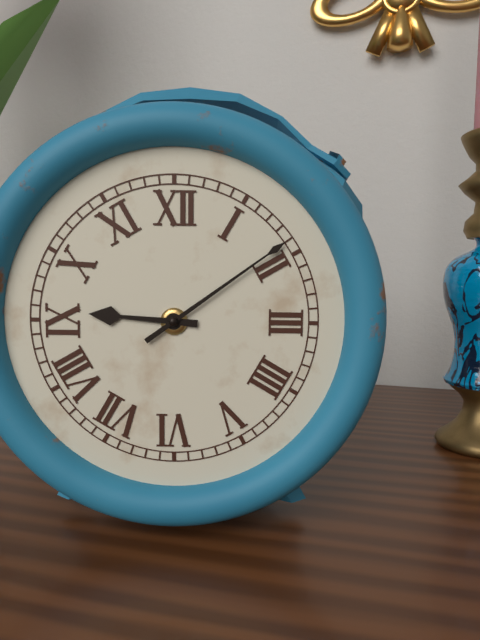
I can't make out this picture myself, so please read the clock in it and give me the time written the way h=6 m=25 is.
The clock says h=9 m=9
